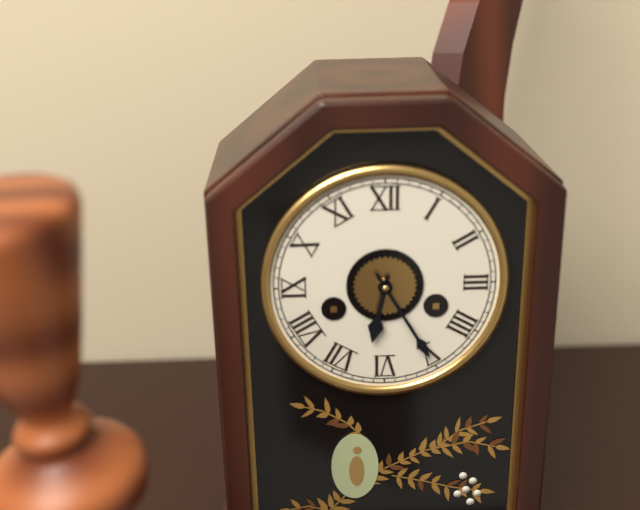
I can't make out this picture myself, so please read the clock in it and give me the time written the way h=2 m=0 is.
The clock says h=6 m=25
